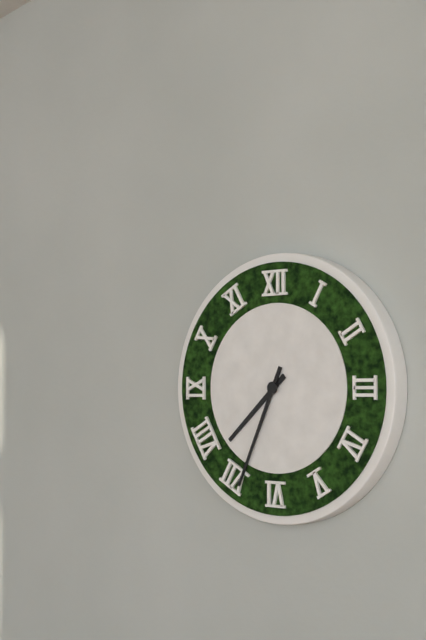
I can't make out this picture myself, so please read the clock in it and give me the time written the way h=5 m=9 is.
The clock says h=7 m=34
